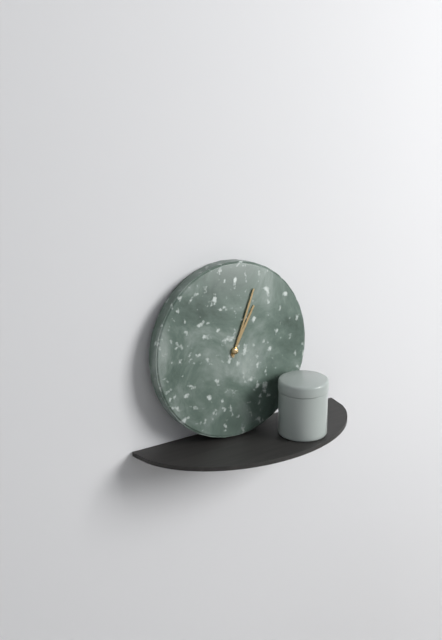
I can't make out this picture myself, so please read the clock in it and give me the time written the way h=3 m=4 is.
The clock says h=1 m=4
